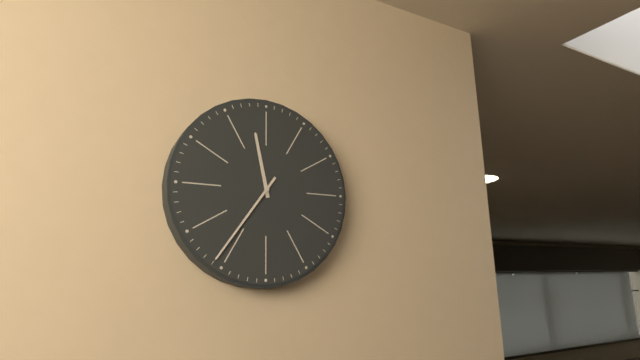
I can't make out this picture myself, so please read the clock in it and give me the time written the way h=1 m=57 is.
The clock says h=11 m=36
